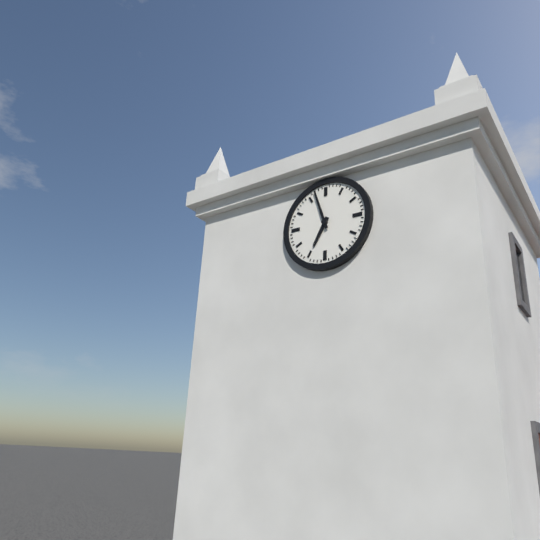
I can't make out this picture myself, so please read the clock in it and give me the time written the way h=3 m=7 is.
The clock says h=6 m=57
